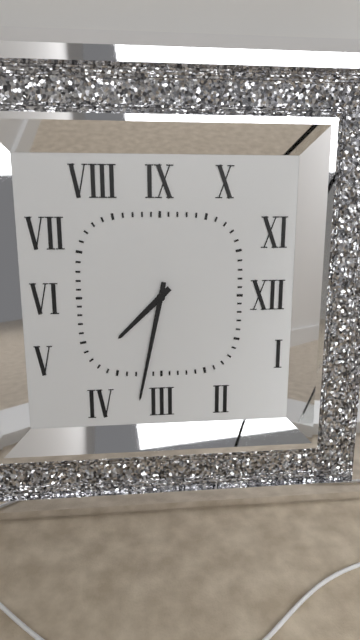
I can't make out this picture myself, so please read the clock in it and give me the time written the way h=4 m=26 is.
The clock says h=7 m=32
